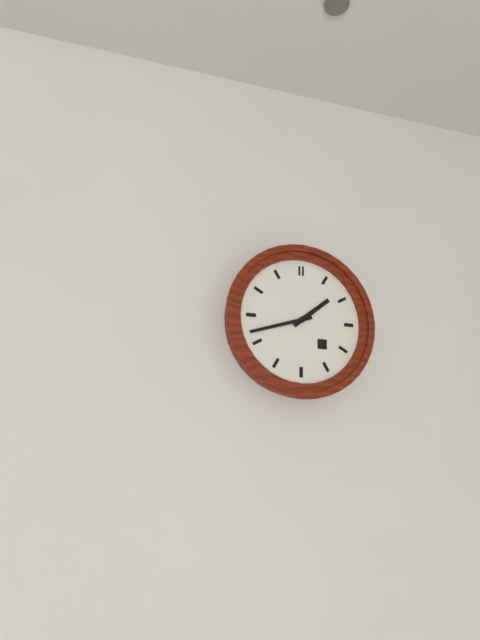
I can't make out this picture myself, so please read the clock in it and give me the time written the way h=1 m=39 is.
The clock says h=1 m=42
